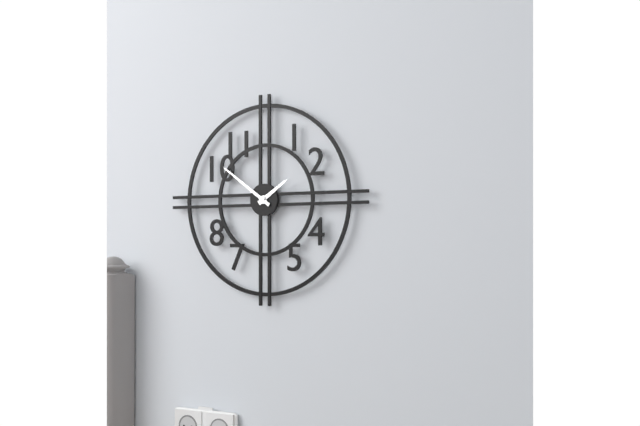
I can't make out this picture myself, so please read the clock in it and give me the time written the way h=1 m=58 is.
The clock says h=1 m=51
